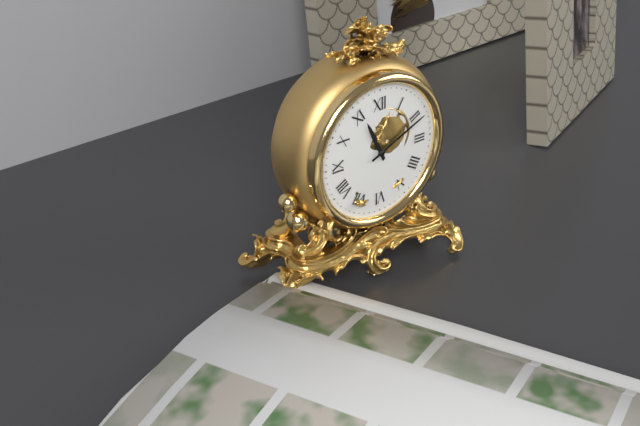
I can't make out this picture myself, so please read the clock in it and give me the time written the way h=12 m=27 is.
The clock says h=11 m=11
